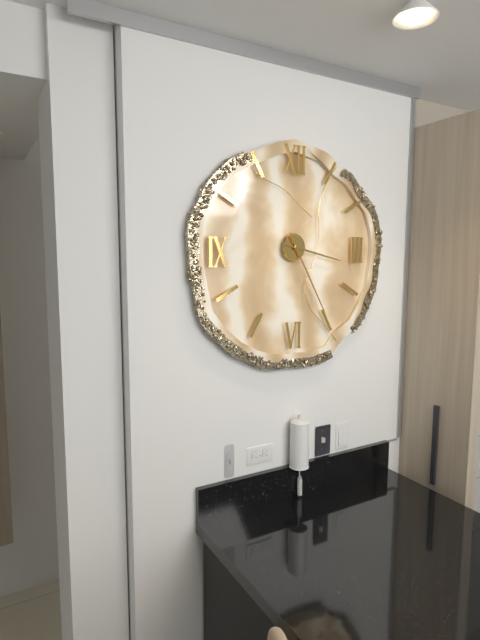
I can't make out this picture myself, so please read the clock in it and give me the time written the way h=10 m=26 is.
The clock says h=3 m=25
